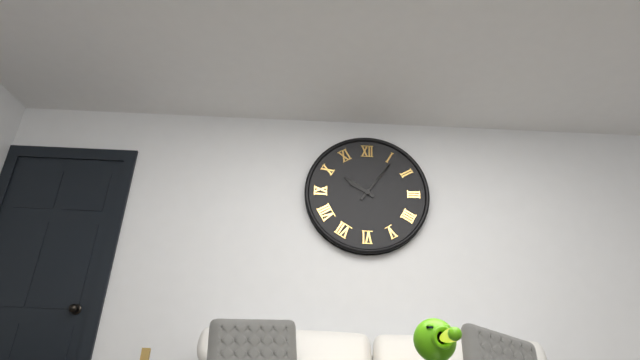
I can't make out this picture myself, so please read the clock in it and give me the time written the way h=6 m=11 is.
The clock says h=10 m=6
